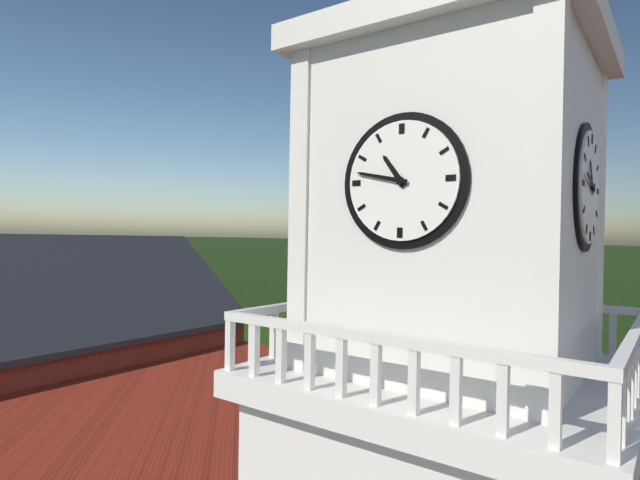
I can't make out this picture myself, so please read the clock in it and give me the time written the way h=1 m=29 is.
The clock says h=10 m=47
